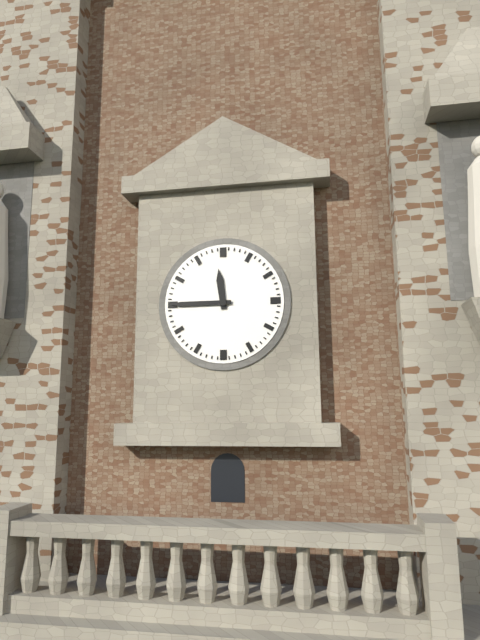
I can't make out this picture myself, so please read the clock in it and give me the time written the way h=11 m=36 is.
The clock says h=11 m=45
